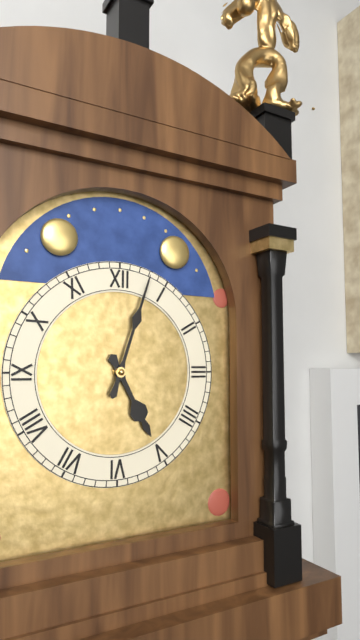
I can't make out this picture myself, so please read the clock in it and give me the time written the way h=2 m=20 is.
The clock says h=5 m=3
